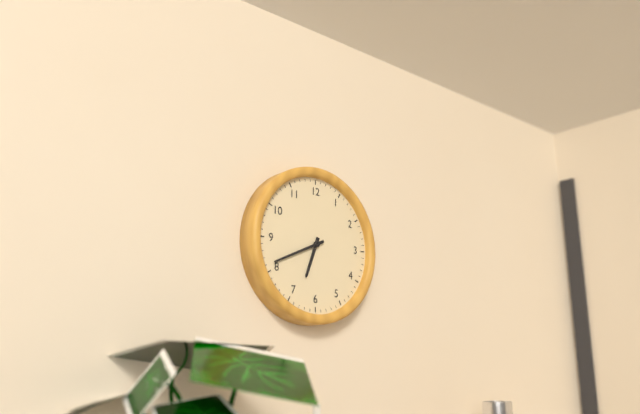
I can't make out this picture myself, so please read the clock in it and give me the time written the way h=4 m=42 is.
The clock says h=6 m=41
